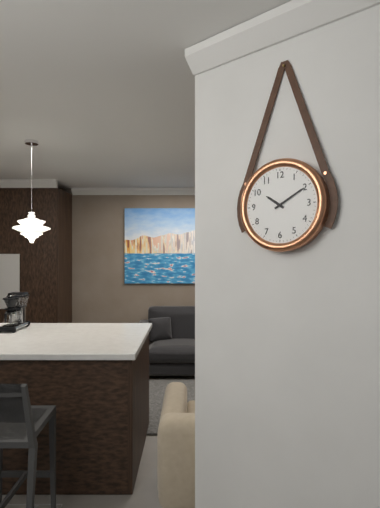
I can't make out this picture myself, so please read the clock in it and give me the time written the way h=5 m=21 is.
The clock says h=10 m=10
